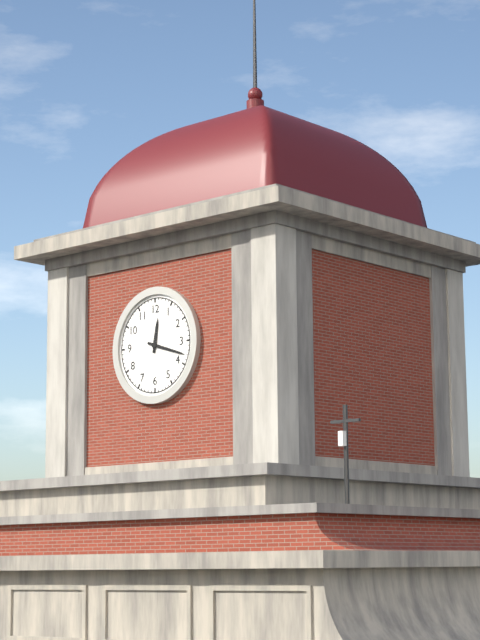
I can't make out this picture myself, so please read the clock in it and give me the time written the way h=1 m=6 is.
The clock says h=12 m=18
